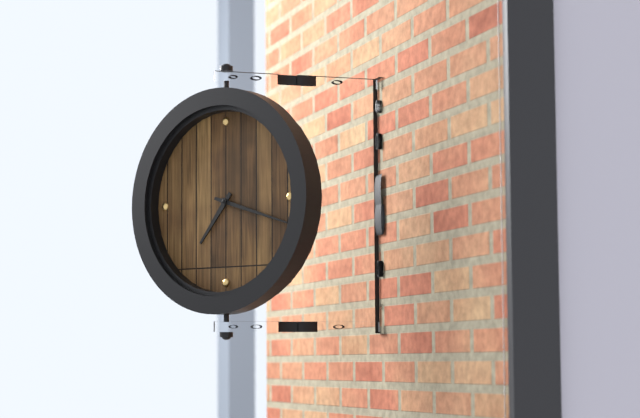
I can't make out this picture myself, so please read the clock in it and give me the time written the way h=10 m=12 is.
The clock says h=7 m=18
